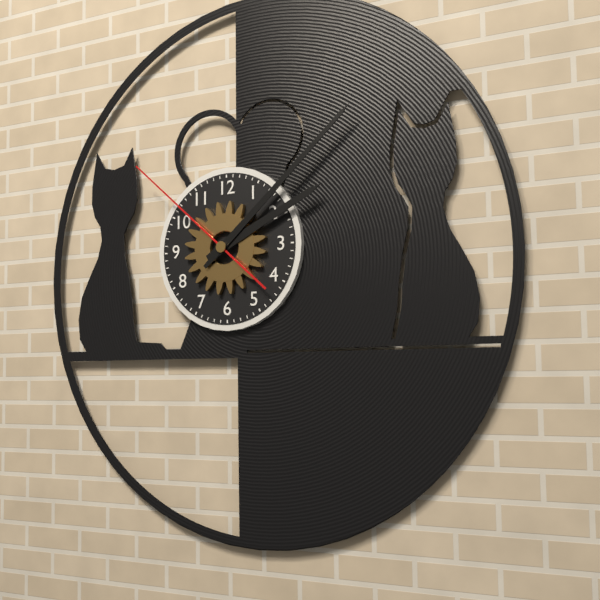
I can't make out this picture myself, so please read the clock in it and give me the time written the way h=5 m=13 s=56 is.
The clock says h=2 m=8 s=52
